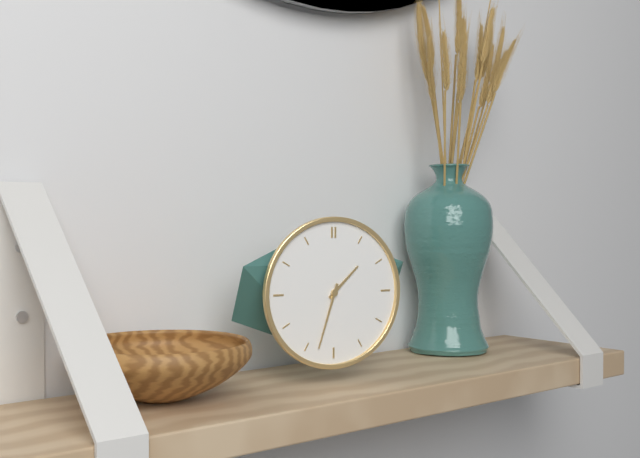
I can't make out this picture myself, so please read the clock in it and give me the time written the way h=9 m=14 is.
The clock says h=1 m=33
